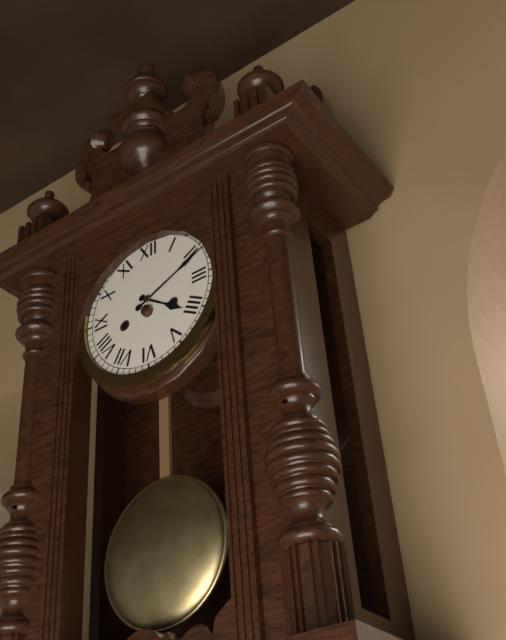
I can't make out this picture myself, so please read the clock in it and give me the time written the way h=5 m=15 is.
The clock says h=4 m=11
